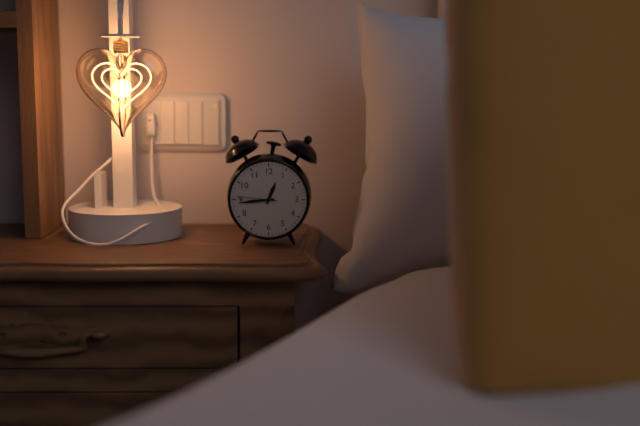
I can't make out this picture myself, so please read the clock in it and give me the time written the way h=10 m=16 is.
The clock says h=12 m=44
